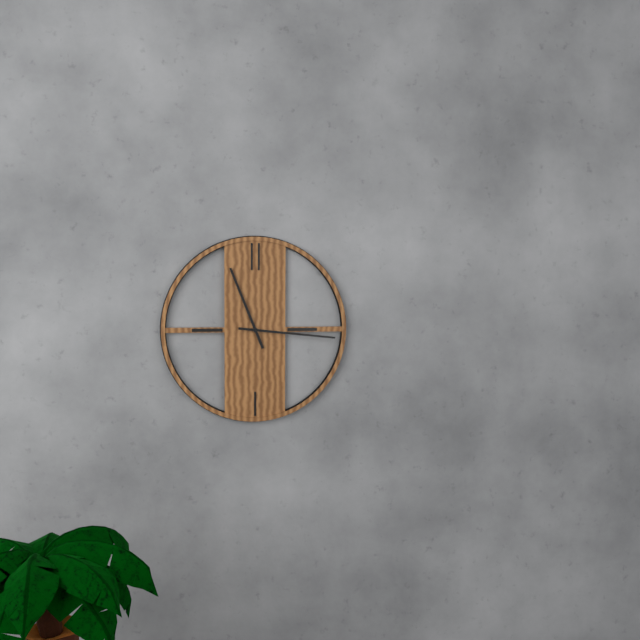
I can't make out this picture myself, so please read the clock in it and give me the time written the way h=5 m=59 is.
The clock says h=11 m=16
